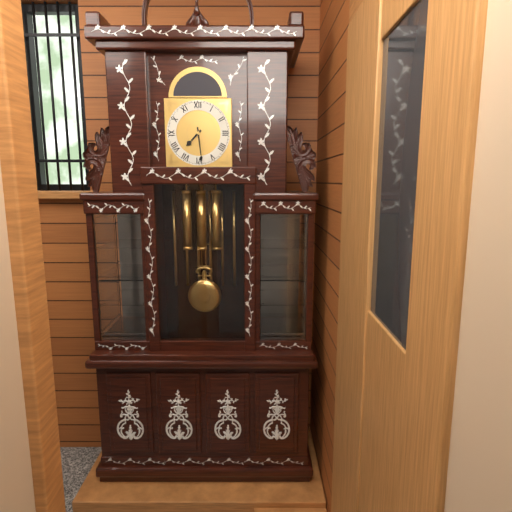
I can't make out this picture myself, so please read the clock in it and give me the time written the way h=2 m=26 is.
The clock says h=7 m=29
